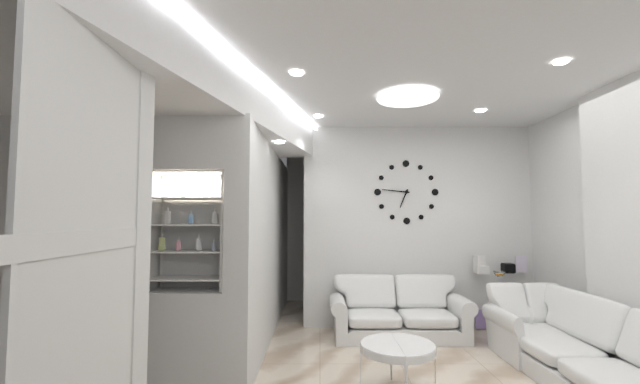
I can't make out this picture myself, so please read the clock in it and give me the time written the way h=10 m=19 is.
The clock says h=6 m=46
